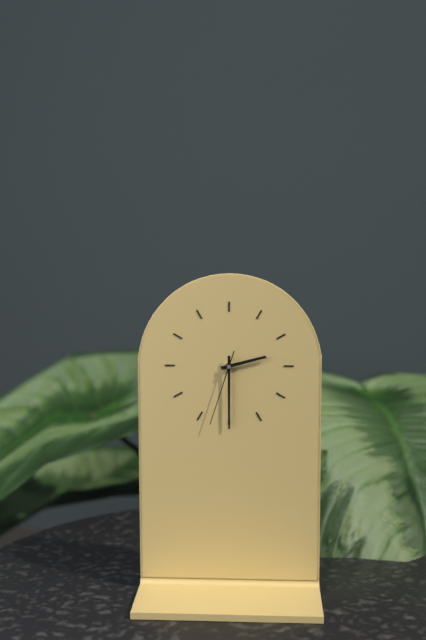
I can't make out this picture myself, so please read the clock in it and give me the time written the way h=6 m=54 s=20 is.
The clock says h=2 m=30 s=33
